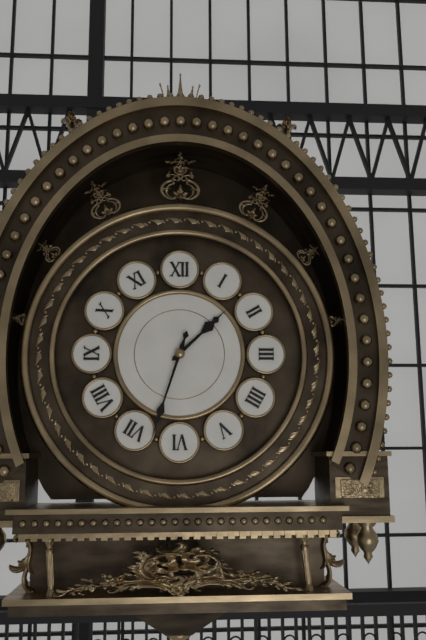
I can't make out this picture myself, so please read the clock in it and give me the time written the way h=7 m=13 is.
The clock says h=1 m=33
